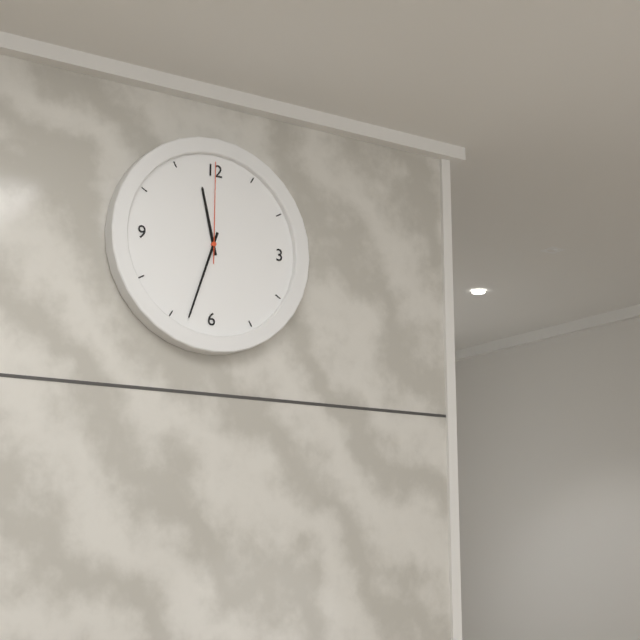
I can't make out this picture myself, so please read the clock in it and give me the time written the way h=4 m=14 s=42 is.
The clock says h=11 m=33 s=0
